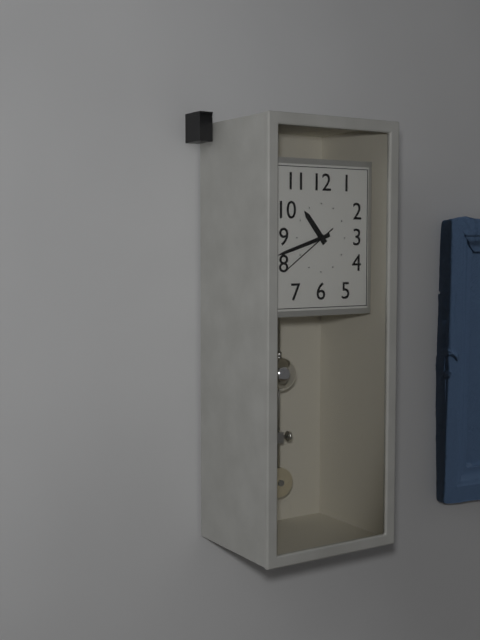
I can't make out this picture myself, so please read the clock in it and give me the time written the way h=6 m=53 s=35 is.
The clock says h=10 m=42 s=39
